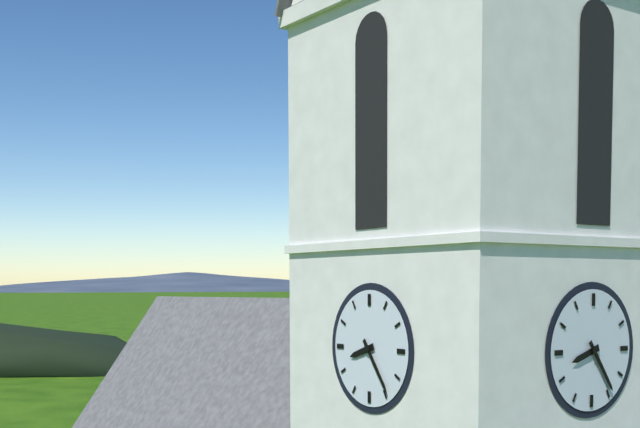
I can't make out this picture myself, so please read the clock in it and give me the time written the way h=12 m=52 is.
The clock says h=8 m=24
